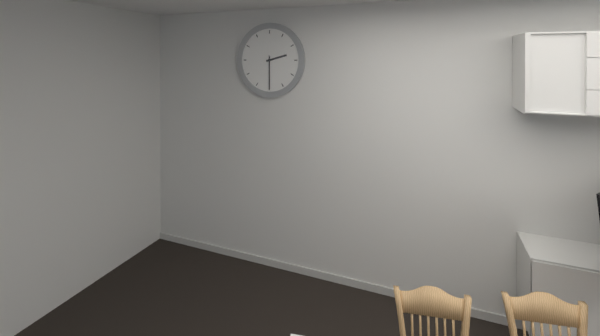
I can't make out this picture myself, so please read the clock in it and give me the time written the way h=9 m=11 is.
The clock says h=2 m=30
